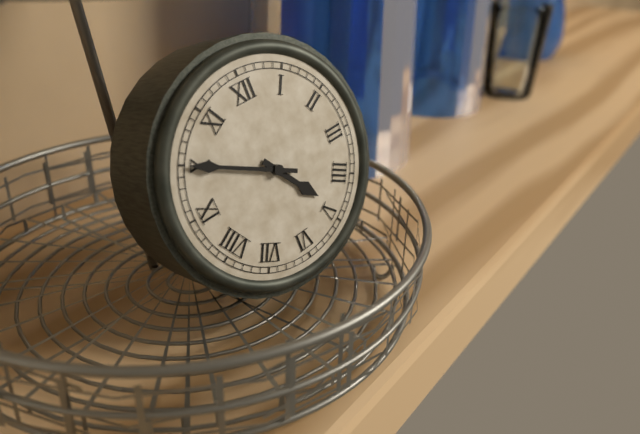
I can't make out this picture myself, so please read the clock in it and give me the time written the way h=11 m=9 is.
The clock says h=4 m=50
